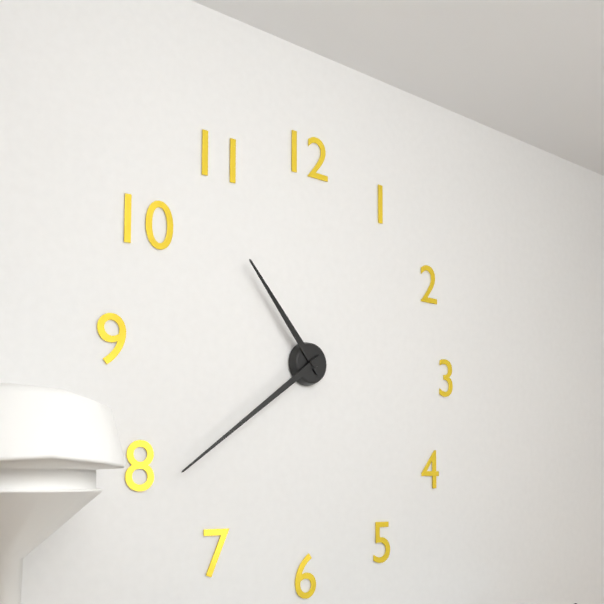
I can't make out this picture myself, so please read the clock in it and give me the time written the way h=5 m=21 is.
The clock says h=10 m=39
